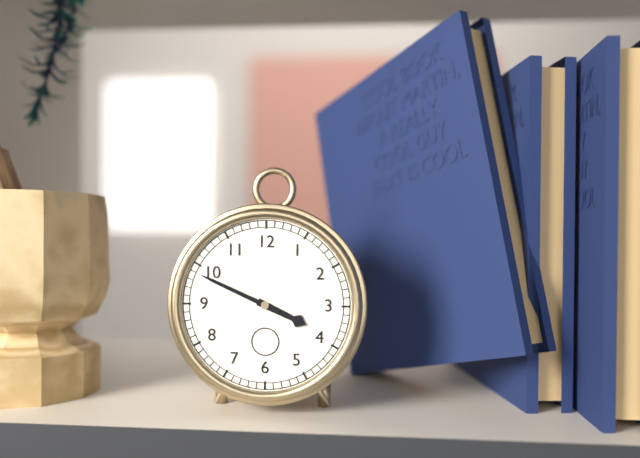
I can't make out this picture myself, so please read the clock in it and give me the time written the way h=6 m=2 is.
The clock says h=3 m=49
